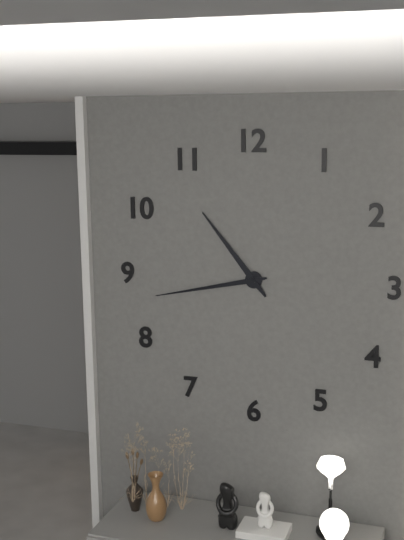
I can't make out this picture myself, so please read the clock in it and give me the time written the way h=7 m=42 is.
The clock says h=10 m=43
